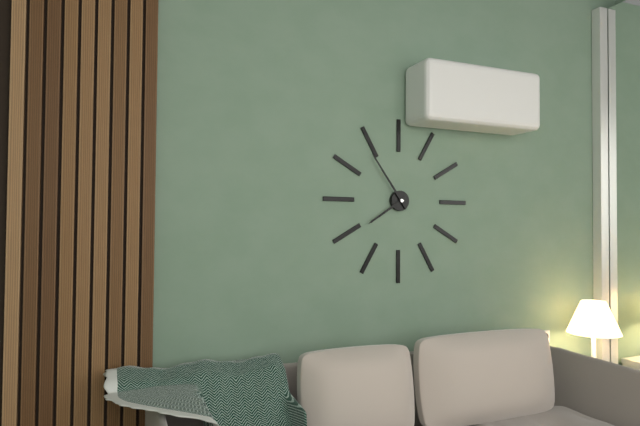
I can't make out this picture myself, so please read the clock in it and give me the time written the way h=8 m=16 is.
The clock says h=7 m=54
